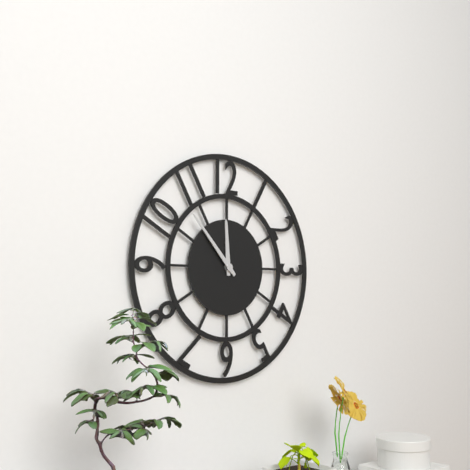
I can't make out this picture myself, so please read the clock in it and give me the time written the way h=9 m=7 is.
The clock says h=11 m=53
